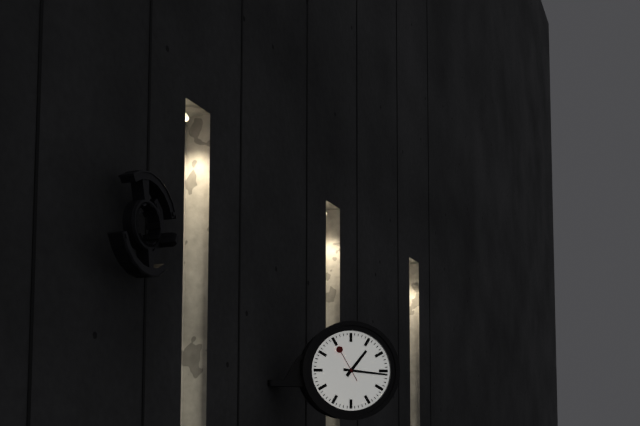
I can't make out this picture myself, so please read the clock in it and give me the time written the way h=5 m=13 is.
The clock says h=1 m=16
